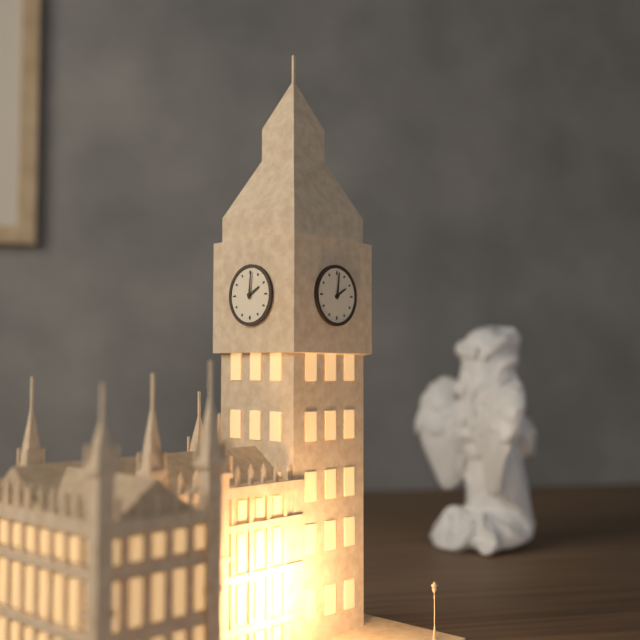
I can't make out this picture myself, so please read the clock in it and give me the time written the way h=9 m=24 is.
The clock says h=2 m=1
